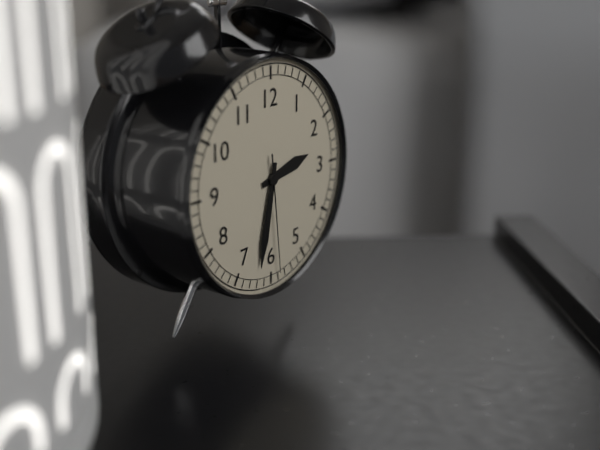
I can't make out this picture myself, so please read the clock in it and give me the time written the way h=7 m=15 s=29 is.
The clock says h=2 m=32 s=29
